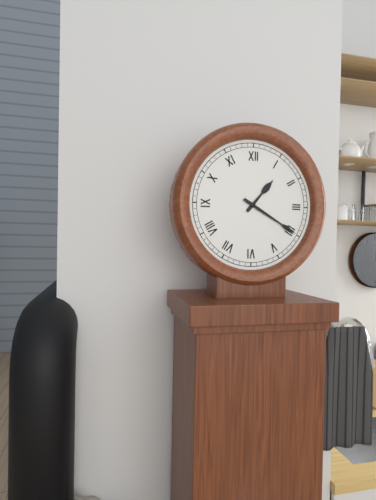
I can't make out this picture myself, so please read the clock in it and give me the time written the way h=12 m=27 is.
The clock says h=1 m=20
